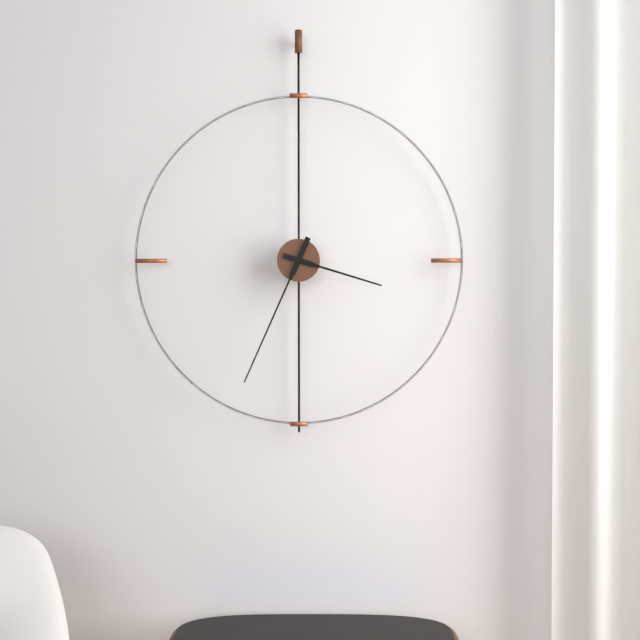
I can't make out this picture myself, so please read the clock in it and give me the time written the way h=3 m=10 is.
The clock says h=3 m=34
